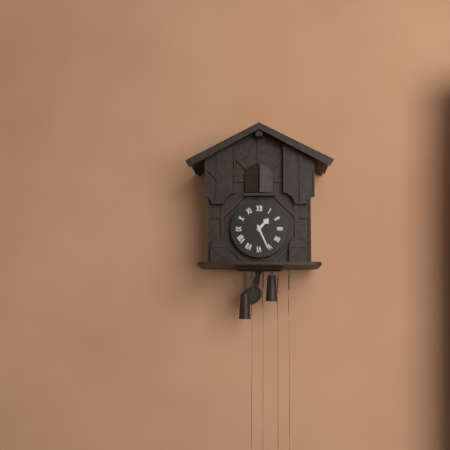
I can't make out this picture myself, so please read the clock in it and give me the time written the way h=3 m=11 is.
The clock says h=1 m=26
